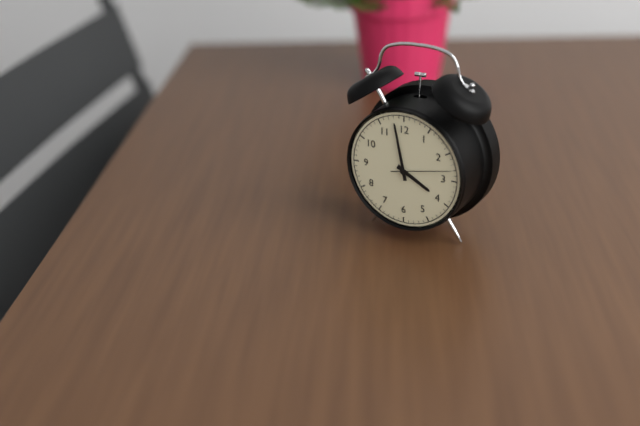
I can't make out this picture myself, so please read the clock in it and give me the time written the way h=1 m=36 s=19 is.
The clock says h=3 m=58 s=13
